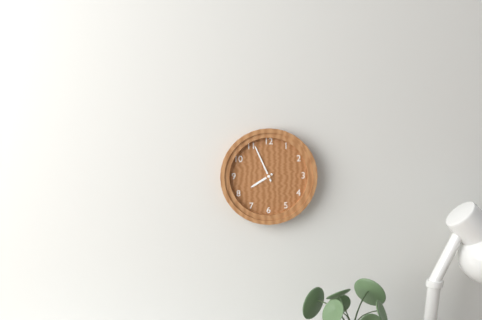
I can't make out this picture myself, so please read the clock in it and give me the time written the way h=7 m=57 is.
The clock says h=7 m=56
